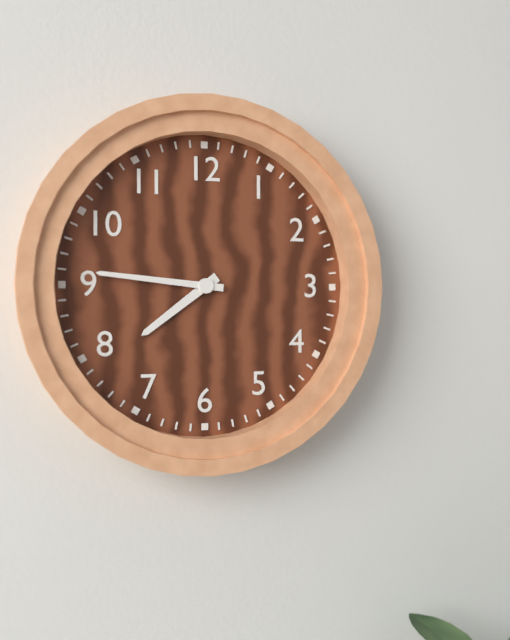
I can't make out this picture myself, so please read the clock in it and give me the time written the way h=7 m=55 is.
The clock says h=7 m=46
